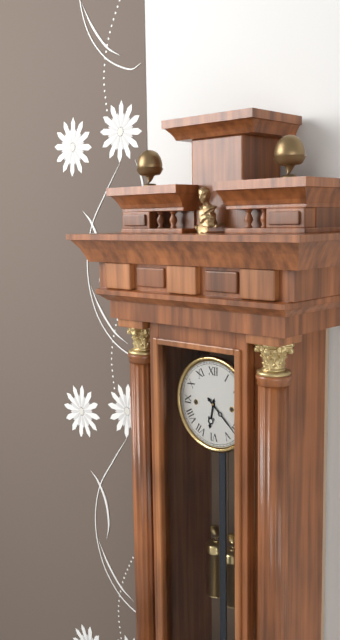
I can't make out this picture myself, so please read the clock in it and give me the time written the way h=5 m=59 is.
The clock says h=6 m=22
